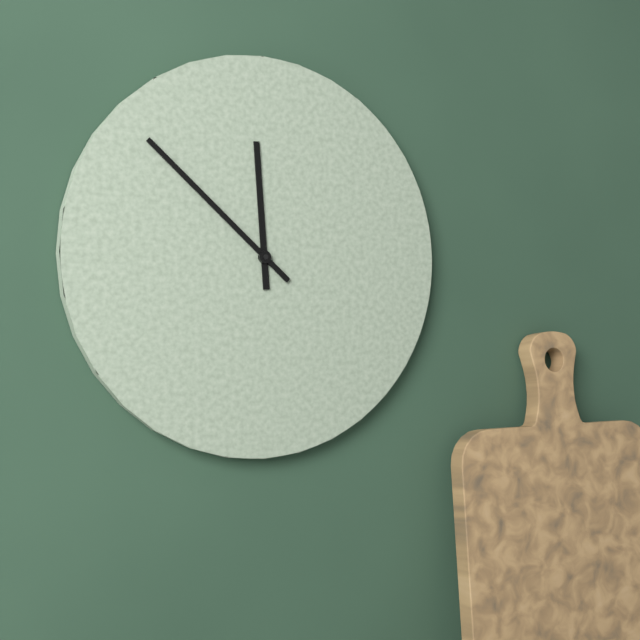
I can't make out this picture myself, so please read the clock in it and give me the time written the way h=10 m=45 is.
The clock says h=11 m=52
